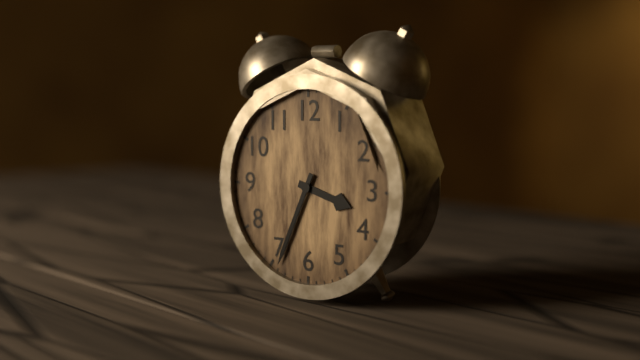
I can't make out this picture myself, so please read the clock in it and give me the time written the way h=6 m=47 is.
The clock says h=3 m=34
